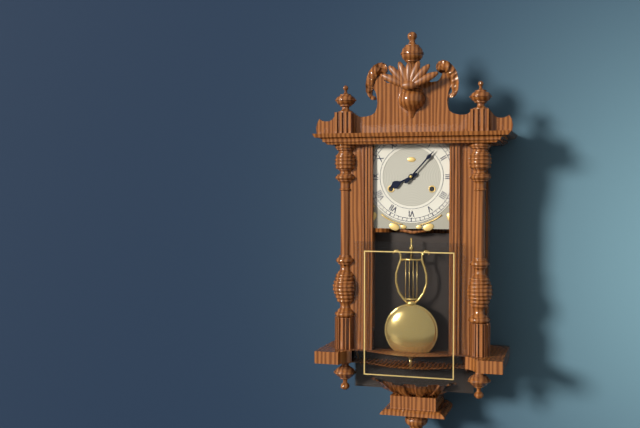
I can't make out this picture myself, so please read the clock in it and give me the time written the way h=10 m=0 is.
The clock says h=8 m=7
